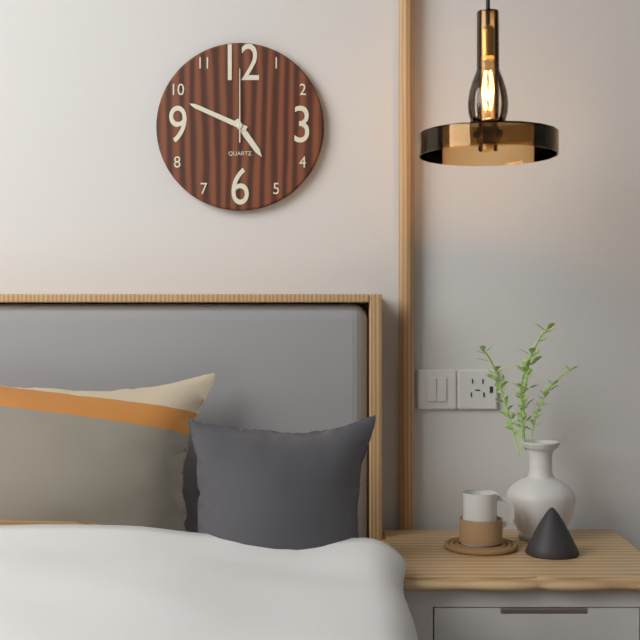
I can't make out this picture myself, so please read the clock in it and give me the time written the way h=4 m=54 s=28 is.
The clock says h=4 m=49 s=0
